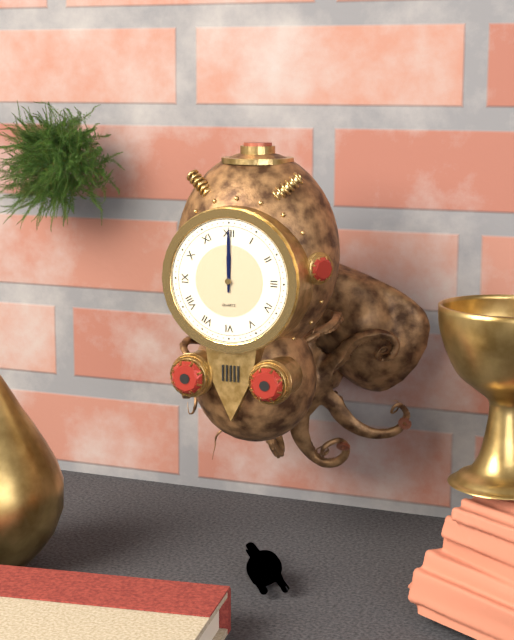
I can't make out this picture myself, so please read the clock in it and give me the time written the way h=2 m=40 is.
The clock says h=12 m=0
